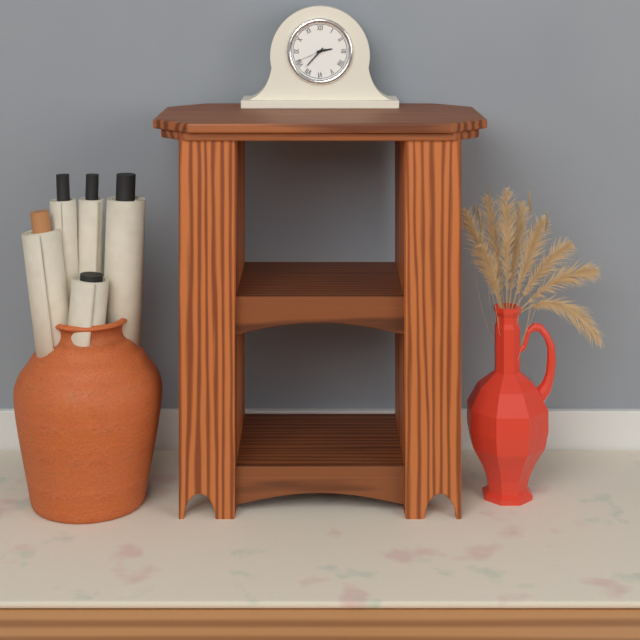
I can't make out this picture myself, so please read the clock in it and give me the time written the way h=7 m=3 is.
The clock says h=2 m=37
